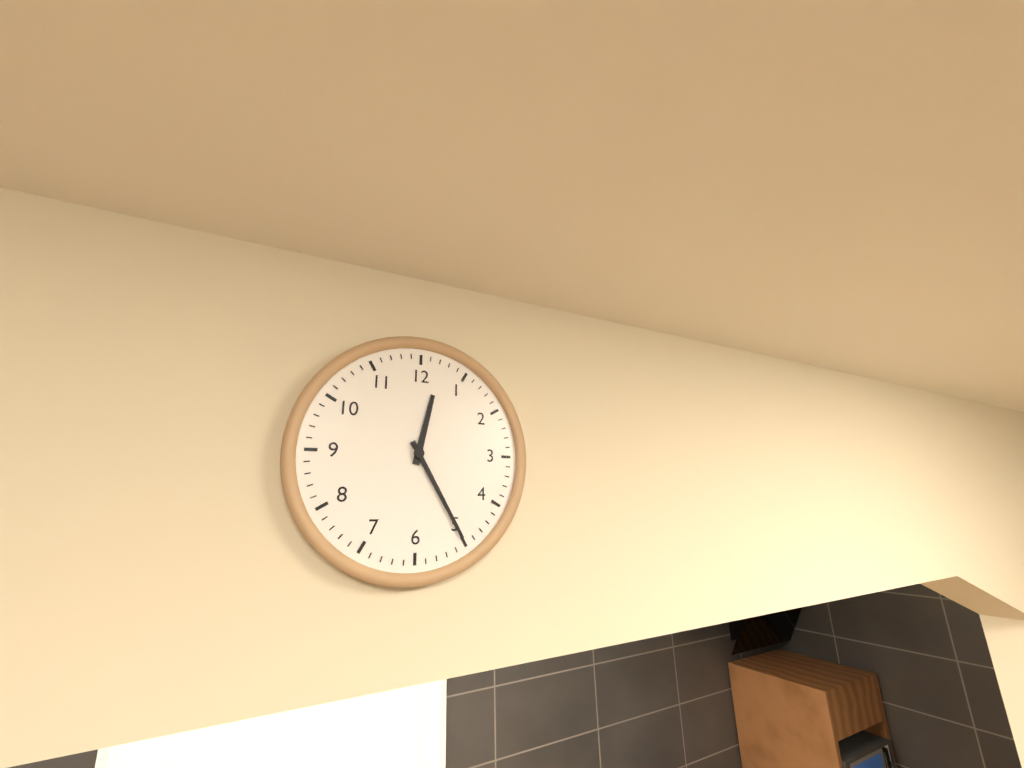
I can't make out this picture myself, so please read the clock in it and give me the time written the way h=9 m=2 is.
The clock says h=12 m=25
